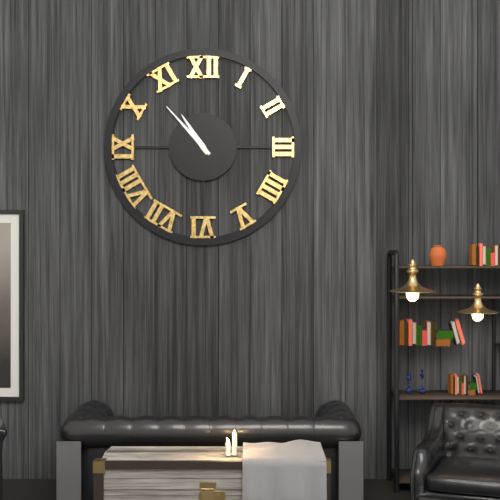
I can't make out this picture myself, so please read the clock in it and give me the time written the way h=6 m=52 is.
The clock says h=10 m=53
